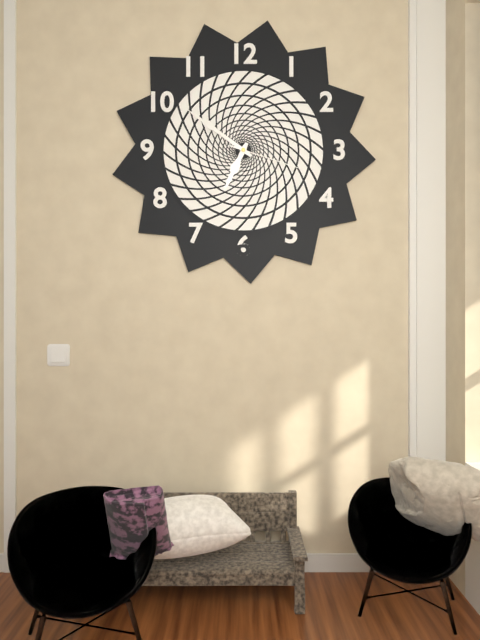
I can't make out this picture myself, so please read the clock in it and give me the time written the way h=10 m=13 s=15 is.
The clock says h=6 m=51 s=18
